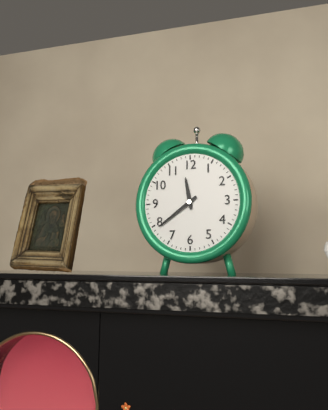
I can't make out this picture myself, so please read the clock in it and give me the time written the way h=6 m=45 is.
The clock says h=11 m=39
